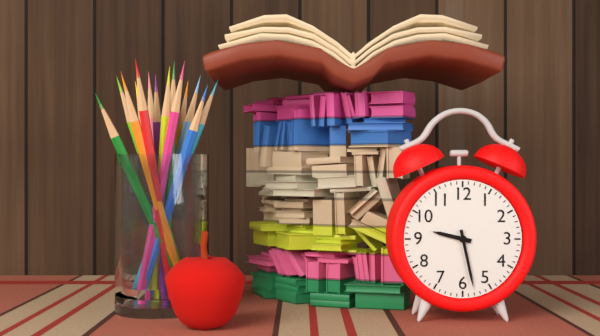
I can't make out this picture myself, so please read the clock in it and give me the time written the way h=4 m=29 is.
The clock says h=9 m=28
